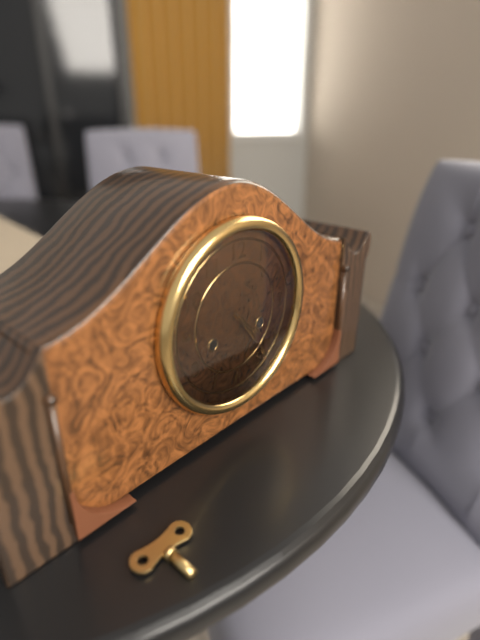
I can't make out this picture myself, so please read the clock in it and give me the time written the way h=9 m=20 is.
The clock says h=4 m=24
